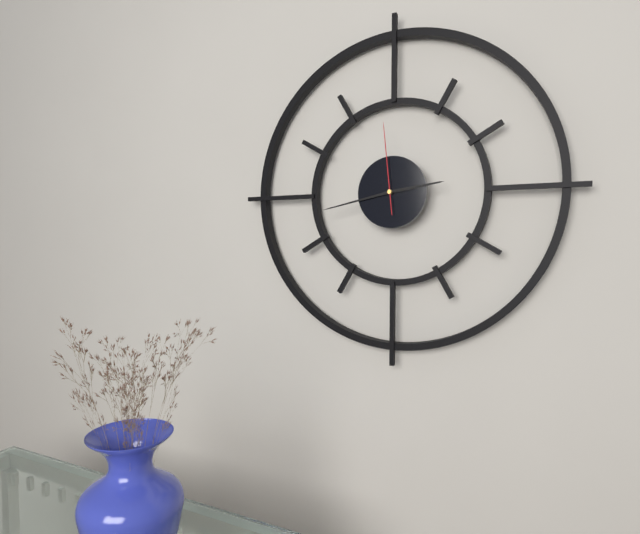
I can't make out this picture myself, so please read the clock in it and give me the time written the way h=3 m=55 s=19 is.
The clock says h=2 m=43 s=59
